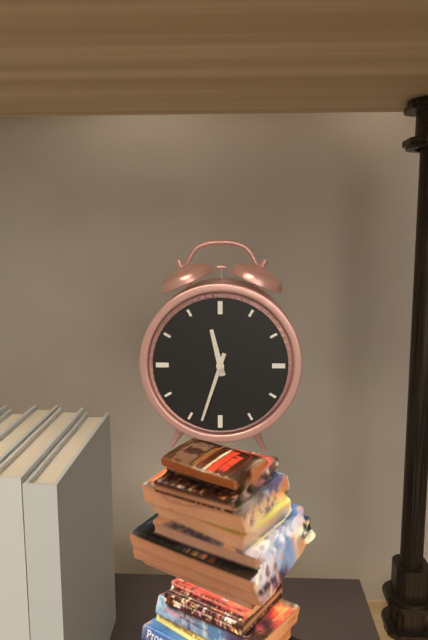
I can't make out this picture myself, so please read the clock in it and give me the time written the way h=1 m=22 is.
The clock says h=11 m=33
